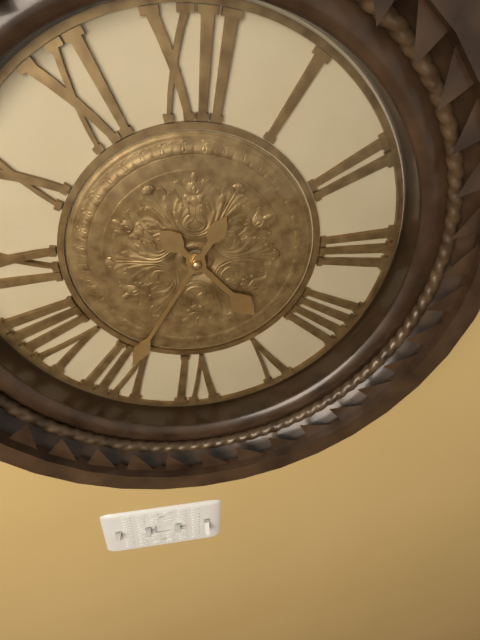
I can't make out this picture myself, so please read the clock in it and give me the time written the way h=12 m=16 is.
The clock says h=4 m=35
